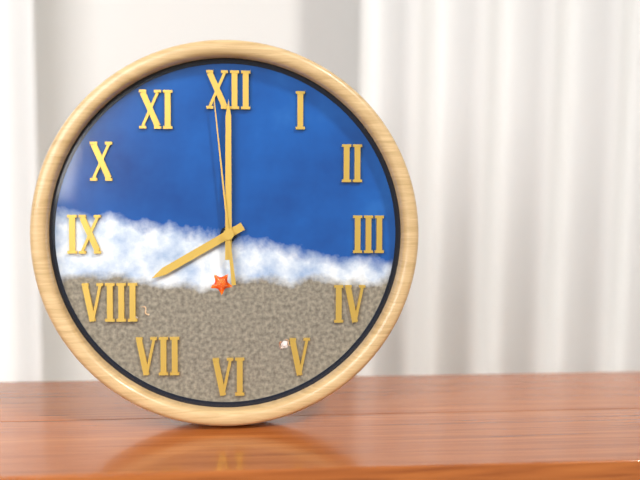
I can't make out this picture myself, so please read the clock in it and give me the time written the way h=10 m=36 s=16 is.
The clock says h=8 m=0 s=59
